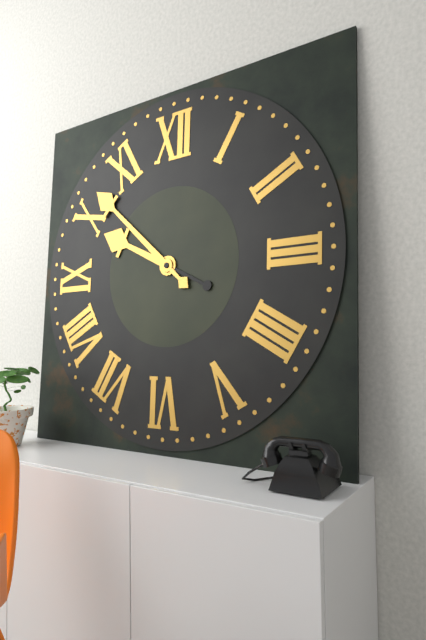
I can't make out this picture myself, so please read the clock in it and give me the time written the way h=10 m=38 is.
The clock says h=9 m=52
